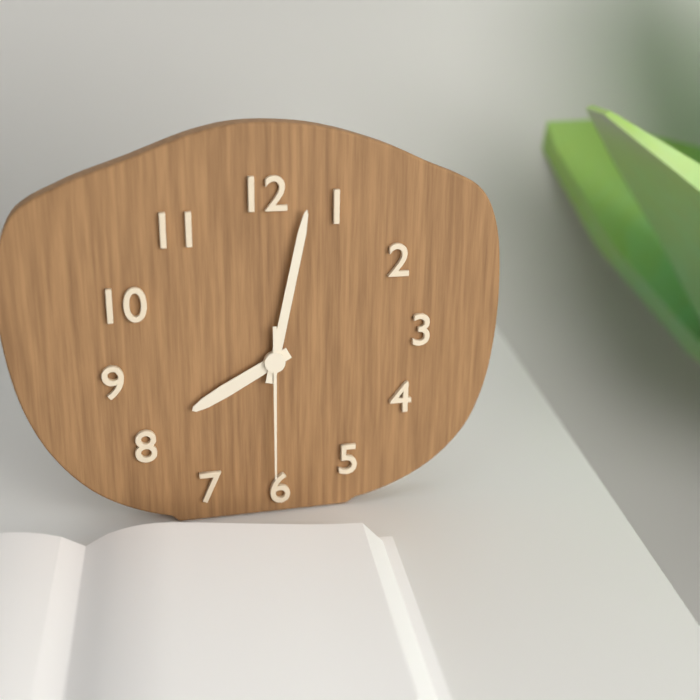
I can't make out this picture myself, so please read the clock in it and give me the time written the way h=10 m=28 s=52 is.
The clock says h=8 m=2 s=30
